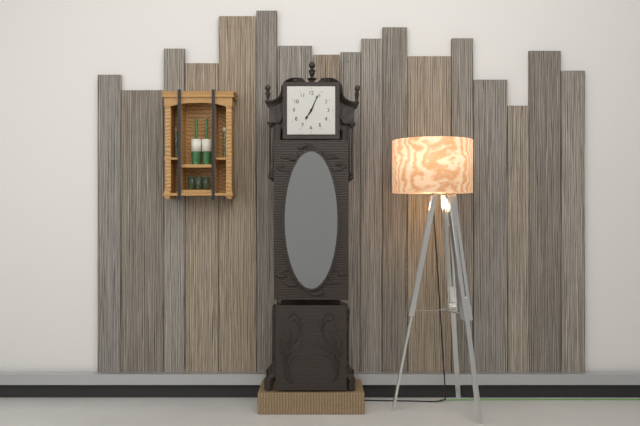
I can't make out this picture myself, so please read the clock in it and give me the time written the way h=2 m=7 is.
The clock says h=7 m=4
